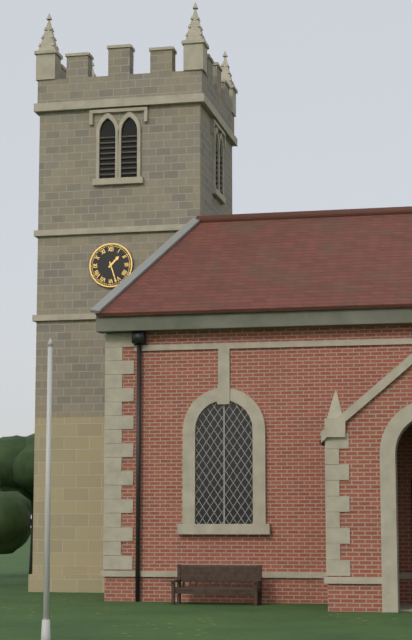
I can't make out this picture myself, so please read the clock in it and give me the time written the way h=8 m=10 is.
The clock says h=1 m=27
